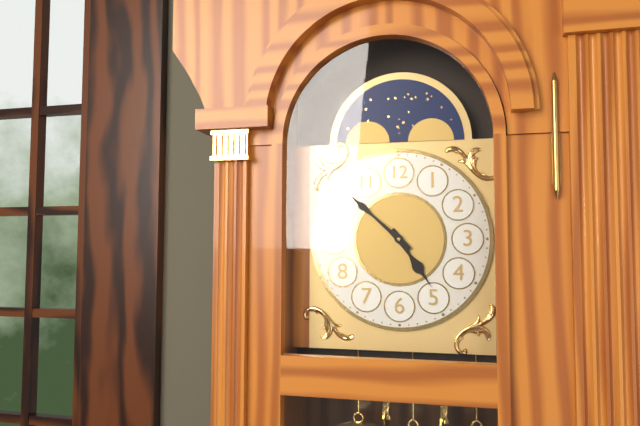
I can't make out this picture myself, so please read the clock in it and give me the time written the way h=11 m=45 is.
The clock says h=4 m=52
